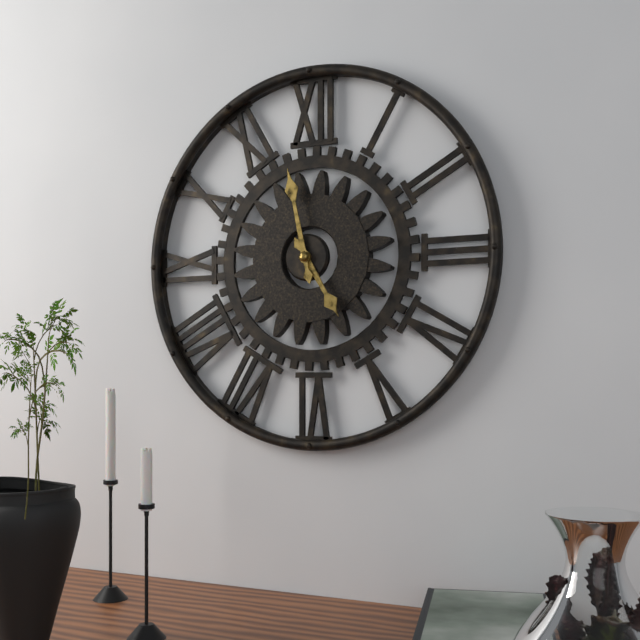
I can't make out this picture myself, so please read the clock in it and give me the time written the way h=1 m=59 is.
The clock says h=4 m=58
